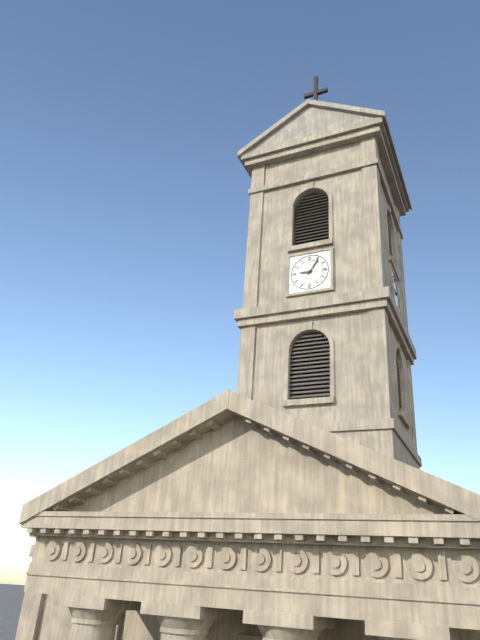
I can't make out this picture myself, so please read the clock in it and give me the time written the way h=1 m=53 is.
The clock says h=9 m=6
